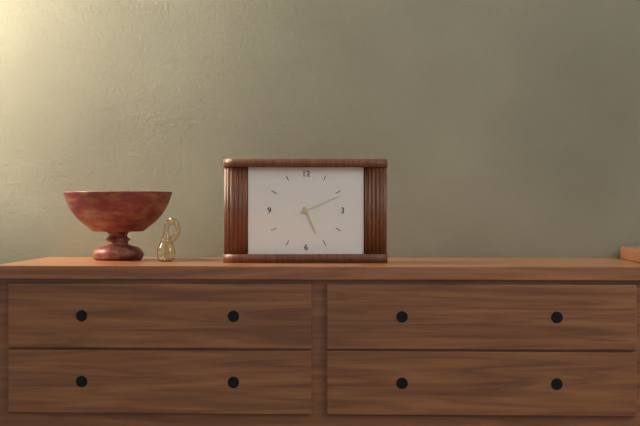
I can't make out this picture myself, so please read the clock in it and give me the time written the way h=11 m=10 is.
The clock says h=5 m=11
